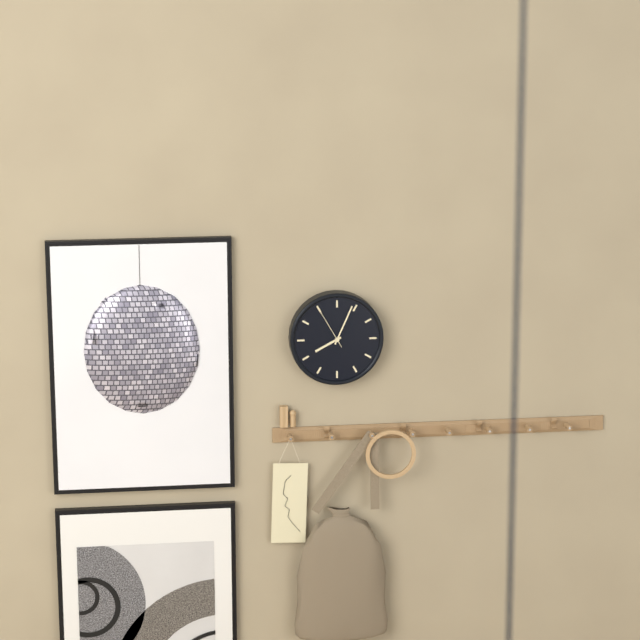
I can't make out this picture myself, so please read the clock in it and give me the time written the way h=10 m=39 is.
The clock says h=8 m=4
